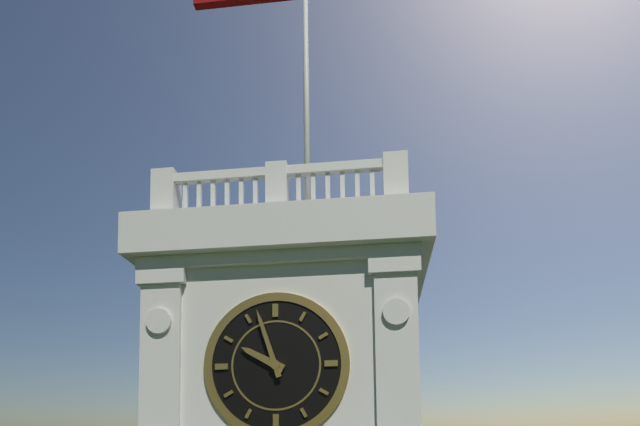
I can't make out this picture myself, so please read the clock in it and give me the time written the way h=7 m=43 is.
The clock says h=9 m=57
